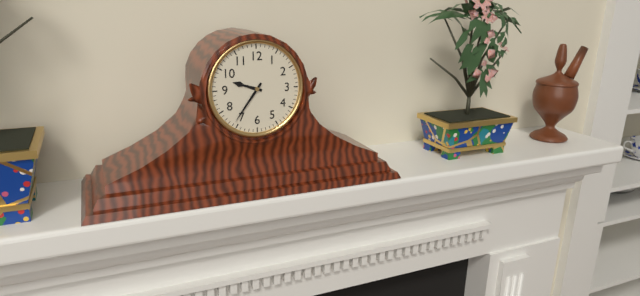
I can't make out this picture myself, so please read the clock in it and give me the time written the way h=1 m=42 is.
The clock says h=9 m=36
